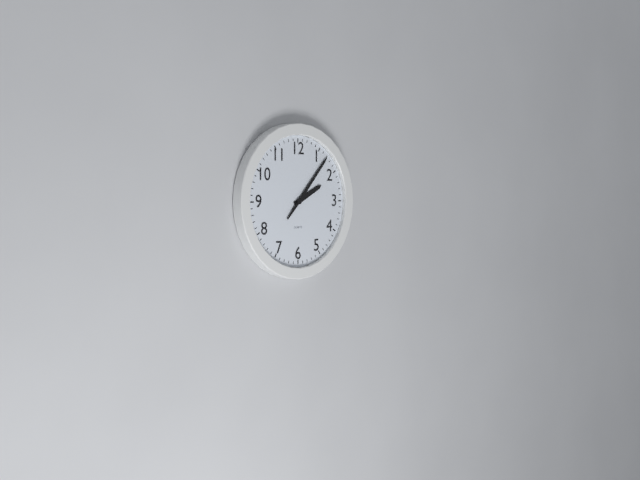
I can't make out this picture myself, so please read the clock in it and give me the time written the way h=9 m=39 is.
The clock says h=2 m=7
